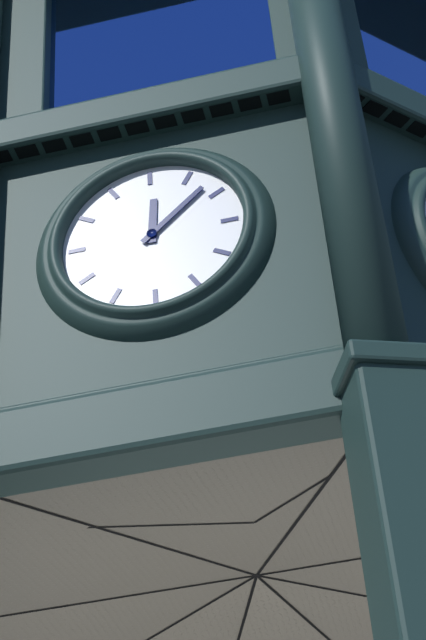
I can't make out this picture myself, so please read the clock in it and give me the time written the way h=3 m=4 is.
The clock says h=12 m=8
